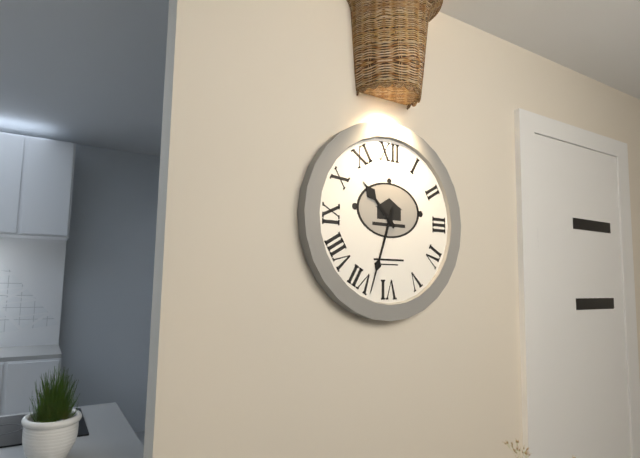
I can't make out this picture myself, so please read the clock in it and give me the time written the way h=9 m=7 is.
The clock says h=10 m=33
